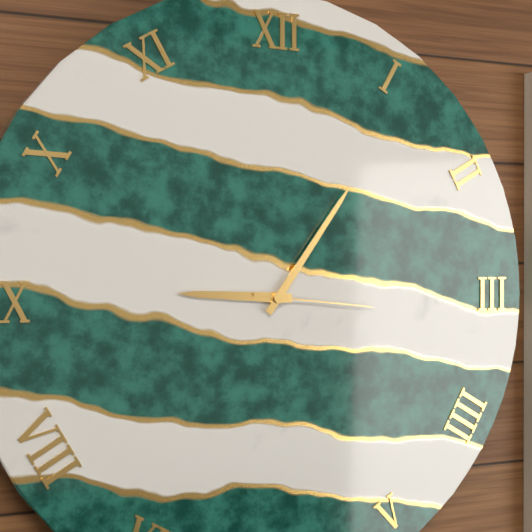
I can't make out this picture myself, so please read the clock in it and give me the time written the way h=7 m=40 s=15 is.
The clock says h=9 m=6 s=16
